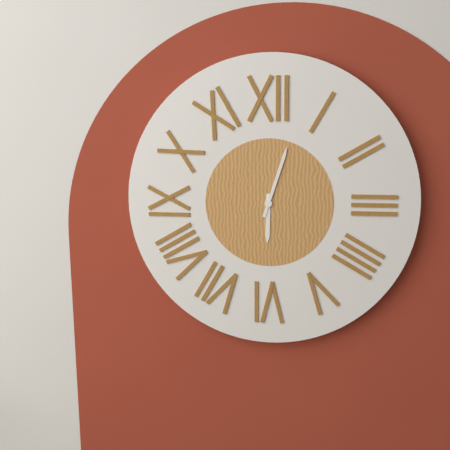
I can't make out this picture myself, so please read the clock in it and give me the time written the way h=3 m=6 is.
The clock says h=6 m=3
